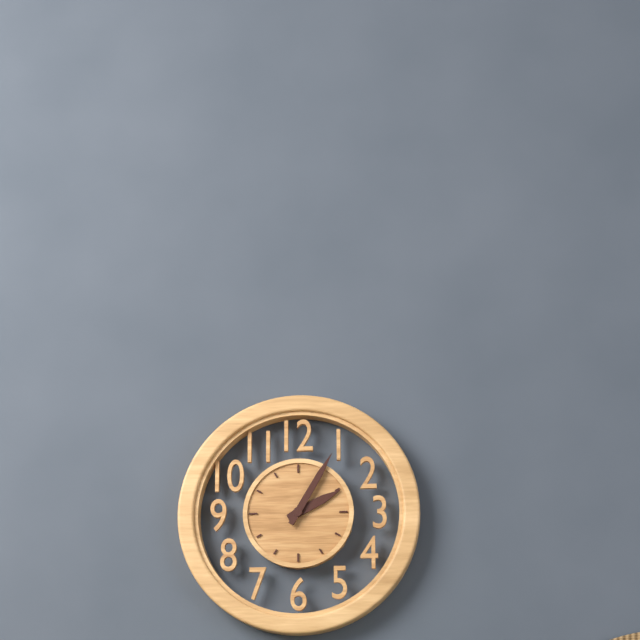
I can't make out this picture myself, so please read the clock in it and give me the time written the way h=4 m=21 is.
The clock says h=2 m=5
